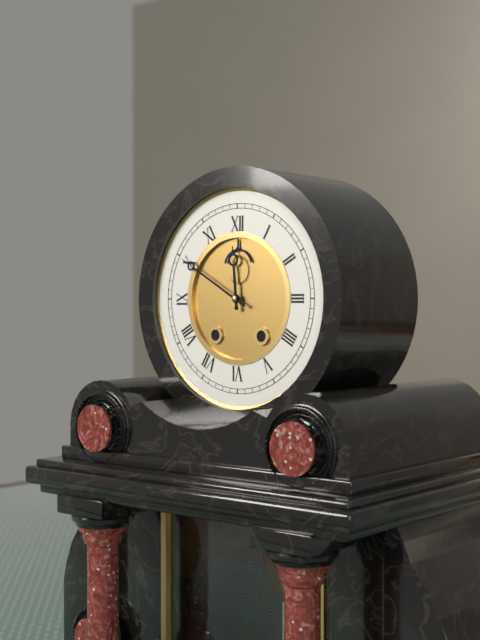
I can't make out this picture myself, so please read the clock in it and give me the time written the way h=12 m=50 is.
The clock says h=11 m=50
